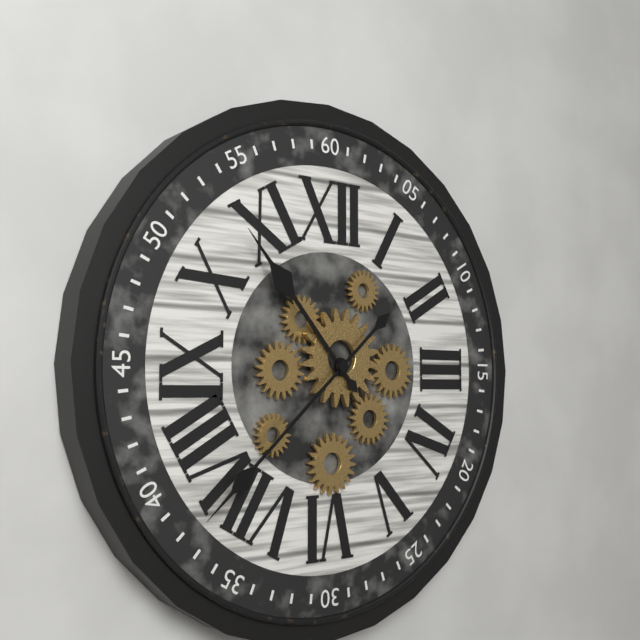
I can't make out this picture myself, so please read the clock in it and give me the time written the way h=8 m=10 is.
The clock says h=10 m=38
